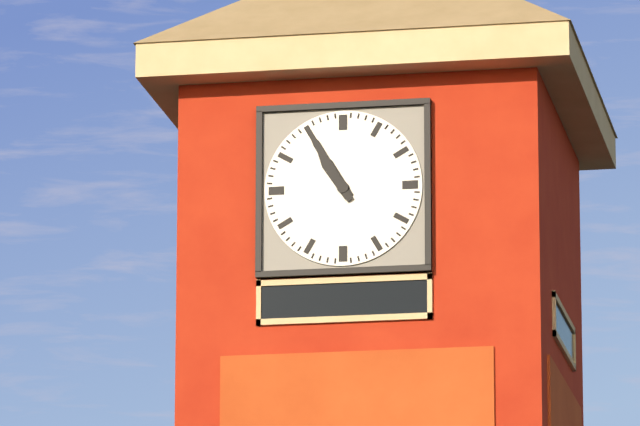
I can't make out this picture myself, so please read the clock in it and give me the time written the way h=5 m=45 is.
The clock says h=10 m=55
